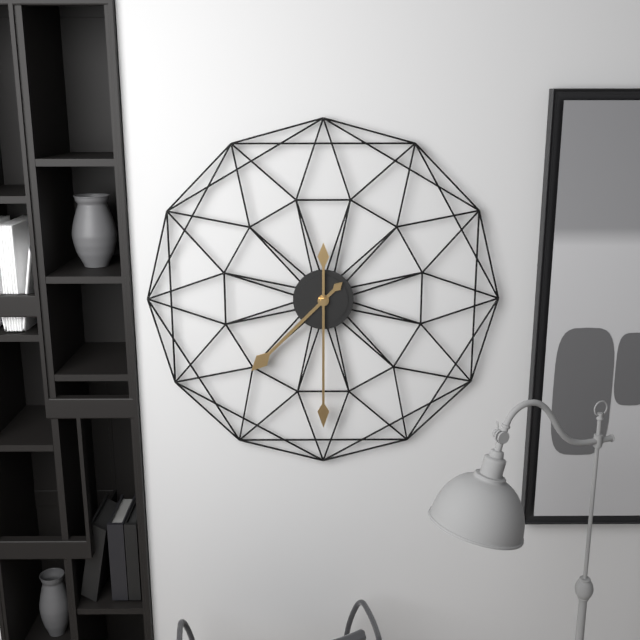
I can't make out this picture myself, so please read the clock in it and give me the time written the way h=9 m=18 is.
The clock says h=7 m=30
